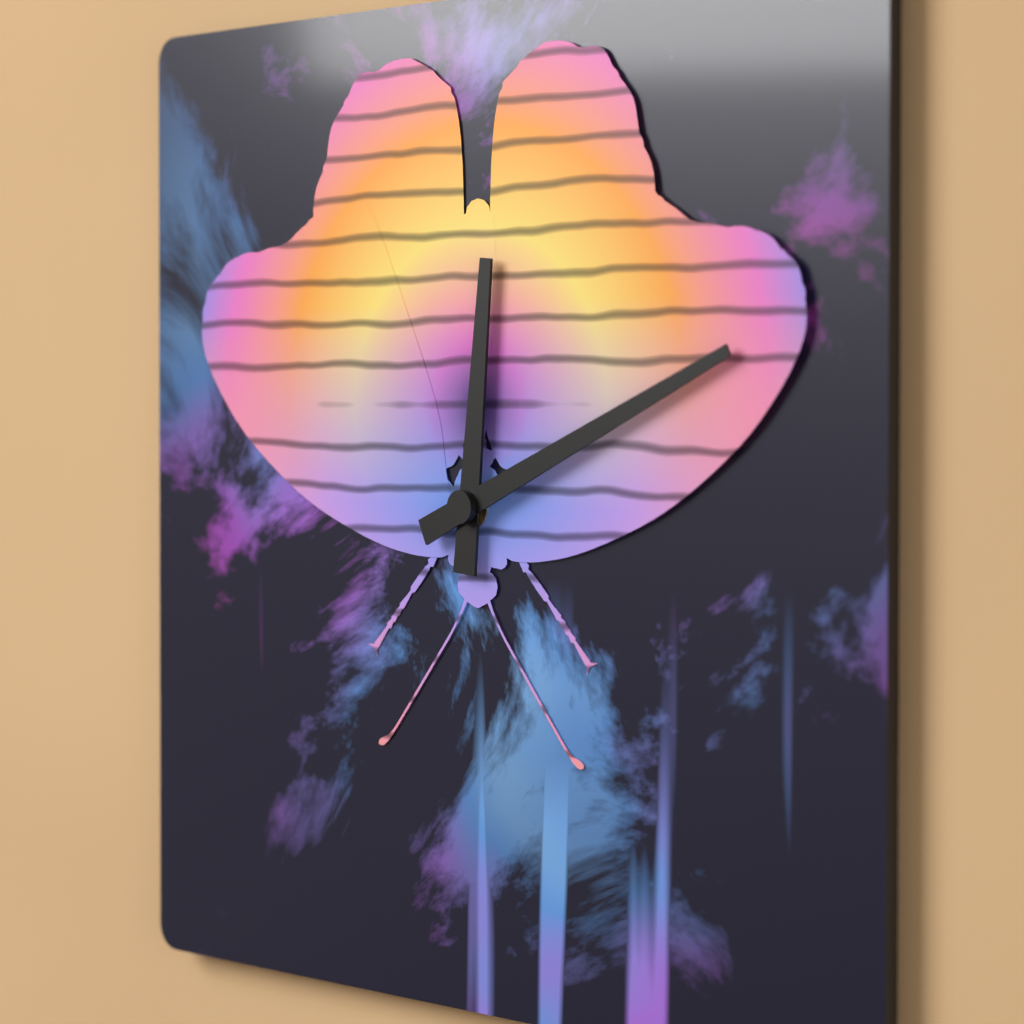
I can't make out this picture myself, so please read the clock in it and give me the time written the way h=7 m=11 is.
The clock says h=12 m=11
